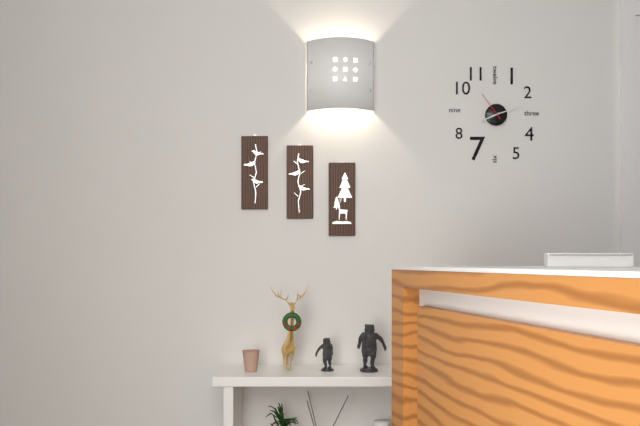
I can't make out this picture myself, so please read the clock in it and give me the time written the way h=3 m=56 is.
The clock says h=8 m=12
